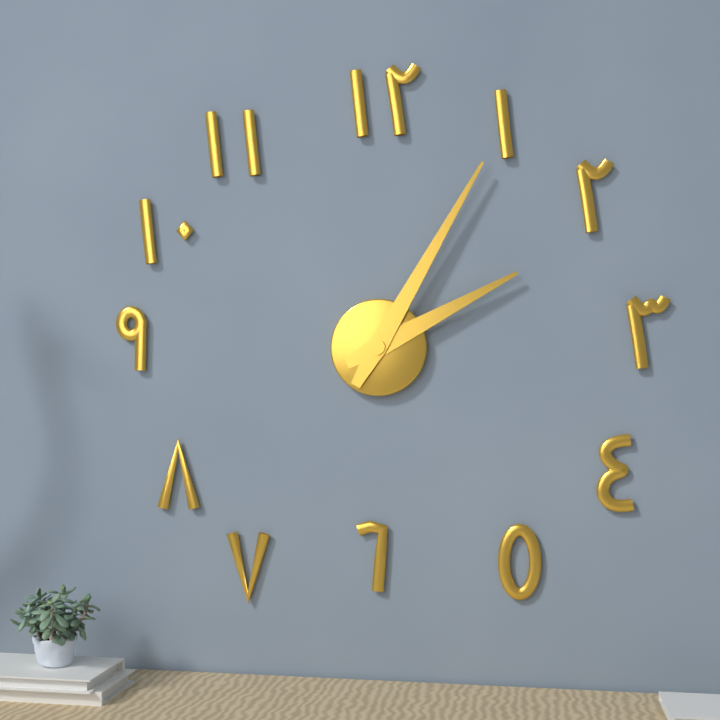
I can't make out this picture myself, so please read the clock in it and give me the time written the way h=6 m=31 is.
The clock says h=2 m=5
